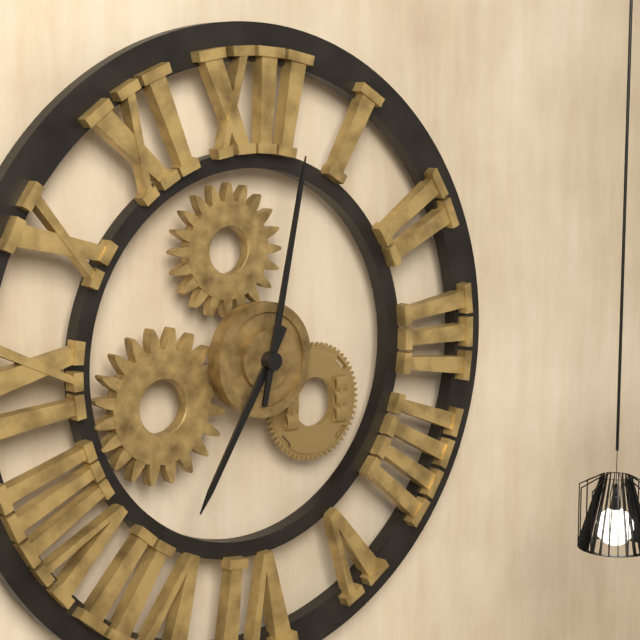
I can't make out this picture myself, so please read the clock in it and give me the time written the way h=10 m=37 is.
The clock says h=7 m=2
